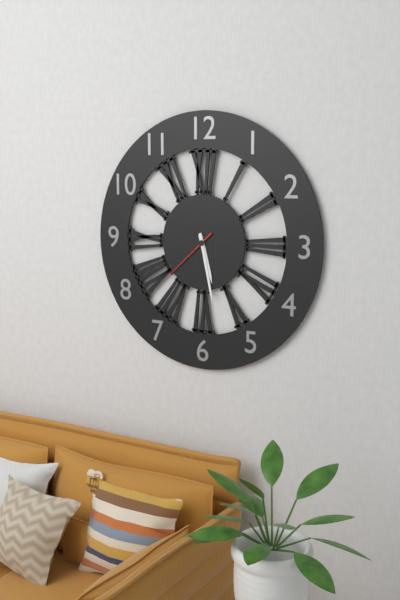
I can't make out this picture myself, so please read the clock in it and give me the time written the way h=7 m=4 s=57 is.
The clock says h=5 m=28 s=38
